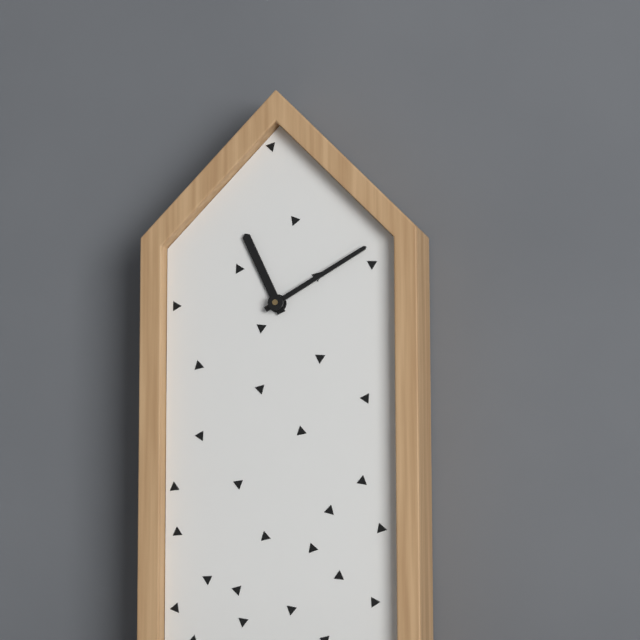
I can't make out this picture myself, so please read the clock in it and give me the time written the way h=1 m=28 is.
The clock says h=11 m=10
